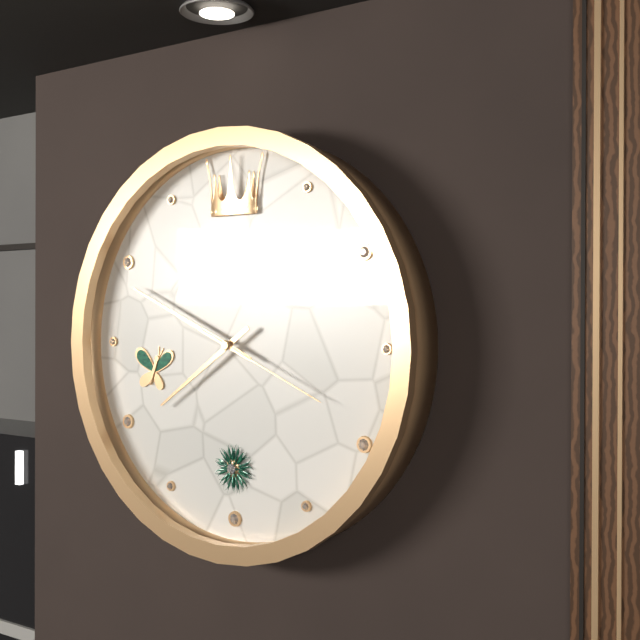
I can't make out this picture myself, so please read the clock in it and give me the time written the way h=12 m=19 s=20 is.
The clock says h=7 m=49 s=19
